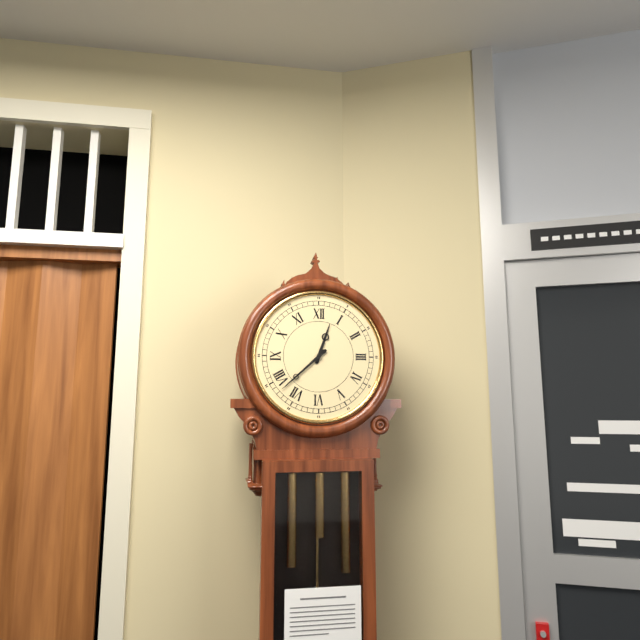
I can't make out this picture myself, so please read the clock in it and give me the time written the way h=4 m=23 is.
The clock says h=12 m=38
